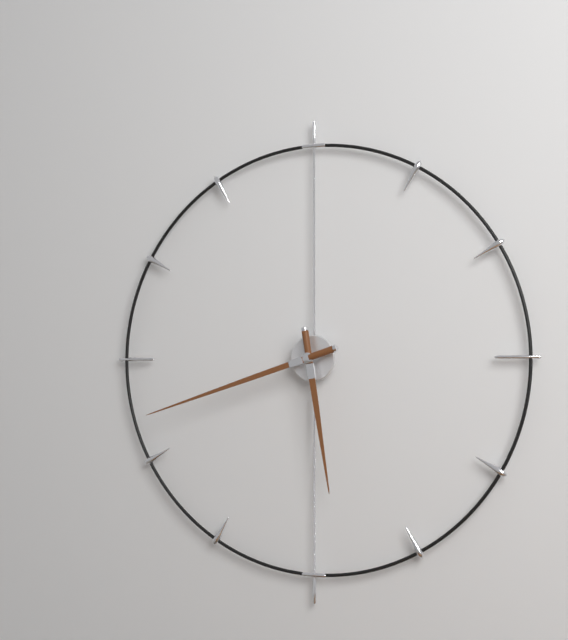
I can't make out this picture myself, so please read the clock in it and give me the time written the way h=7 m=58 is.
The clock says h=5 m=42
